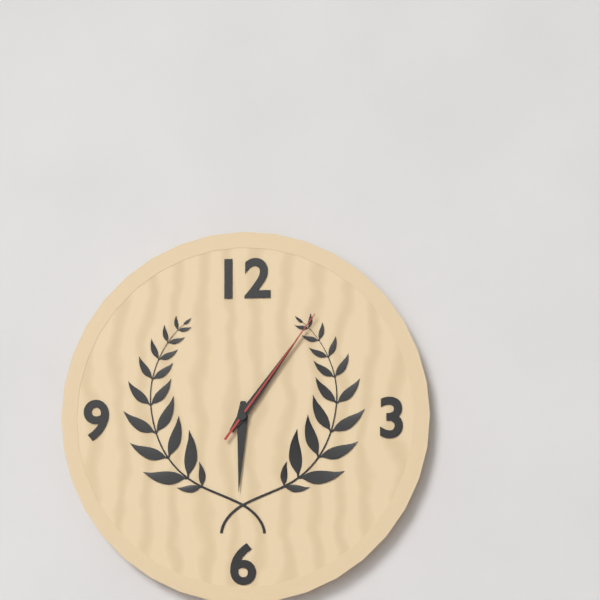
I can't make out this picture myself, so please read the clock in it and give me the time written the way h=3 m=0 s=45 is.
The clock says h=6 m=6 s=6
